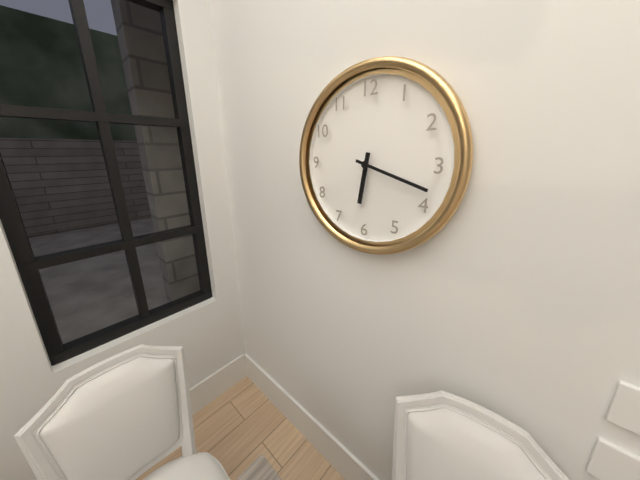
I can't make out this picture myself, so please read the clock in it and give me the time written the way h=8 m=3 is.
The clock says h=6 m=18
